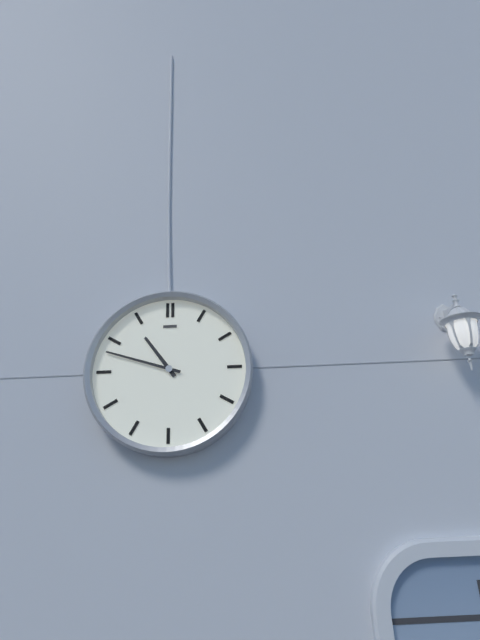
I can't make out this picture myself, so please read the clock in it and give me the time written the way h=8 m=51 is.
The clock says h=10 m=48
